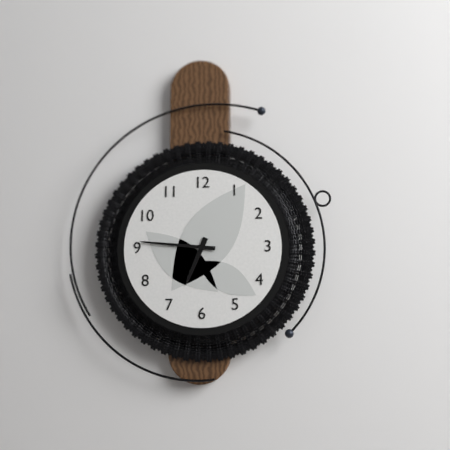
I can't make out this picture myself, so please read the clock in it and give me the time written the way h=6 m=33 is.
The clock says h=6 m=46
